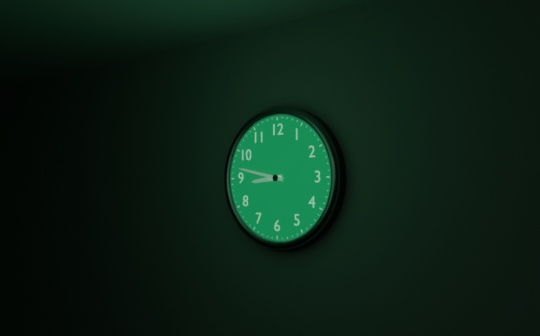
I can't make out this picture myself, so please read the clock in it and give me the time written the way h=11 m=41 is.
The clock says h=8 m=47
